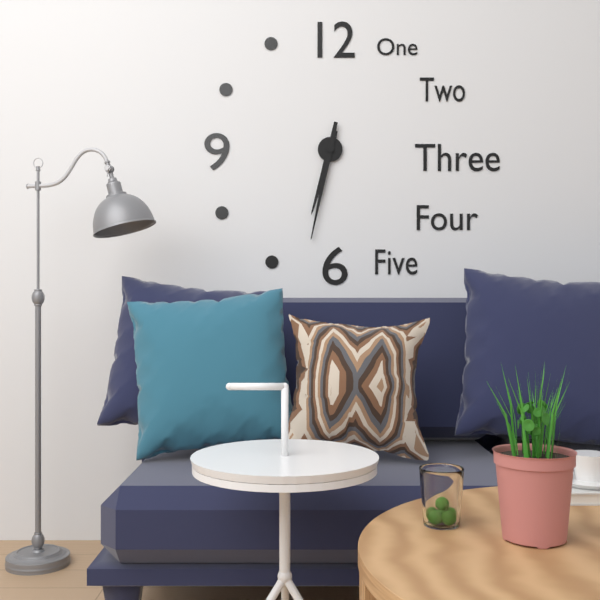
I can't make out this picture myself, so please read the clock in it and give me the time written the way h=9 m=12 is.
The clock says h=6 m=32
